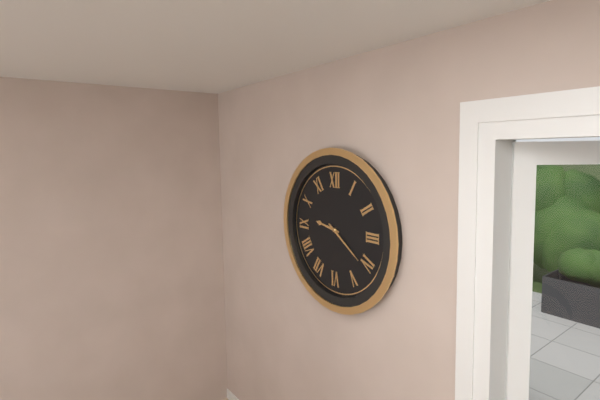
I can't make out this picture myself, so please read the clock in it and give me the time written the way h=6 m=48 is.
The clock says h=9 m=21
